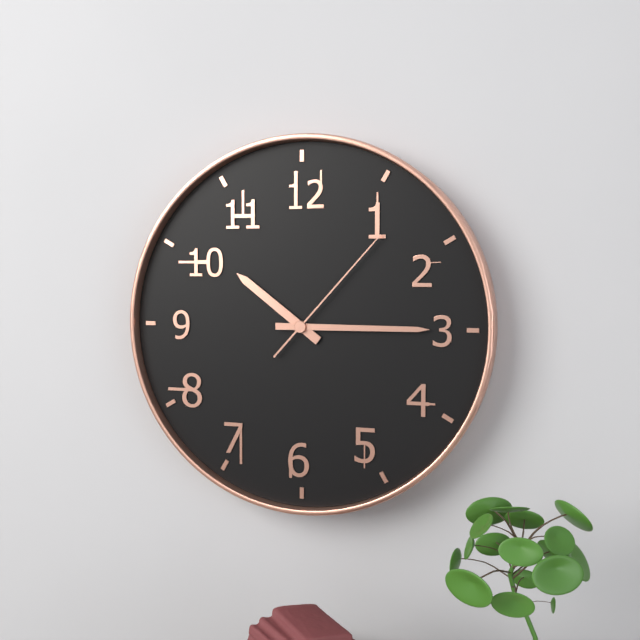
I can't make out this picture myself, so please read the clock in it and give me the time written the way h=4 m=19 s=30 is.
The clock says h=10 m=15 s=7
